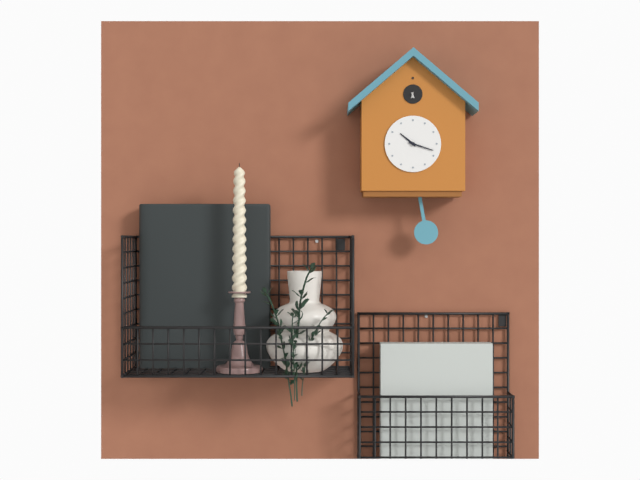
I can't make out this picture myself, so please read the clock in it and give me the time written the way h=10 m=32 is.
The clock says h=10 m=18
